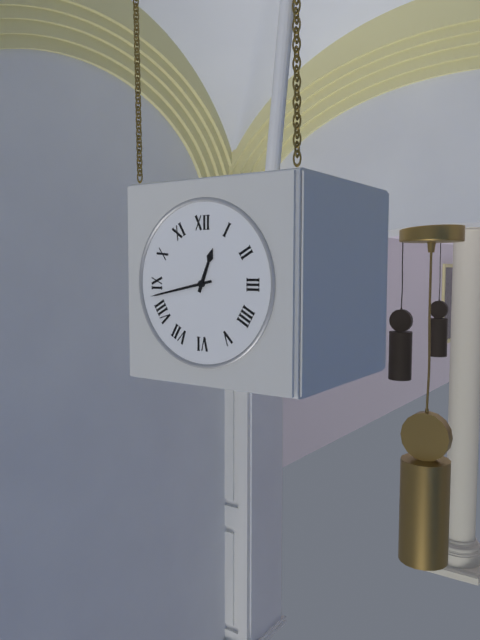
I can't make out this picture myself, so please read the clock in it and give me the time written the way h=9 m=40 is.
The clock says h=12 m=43
